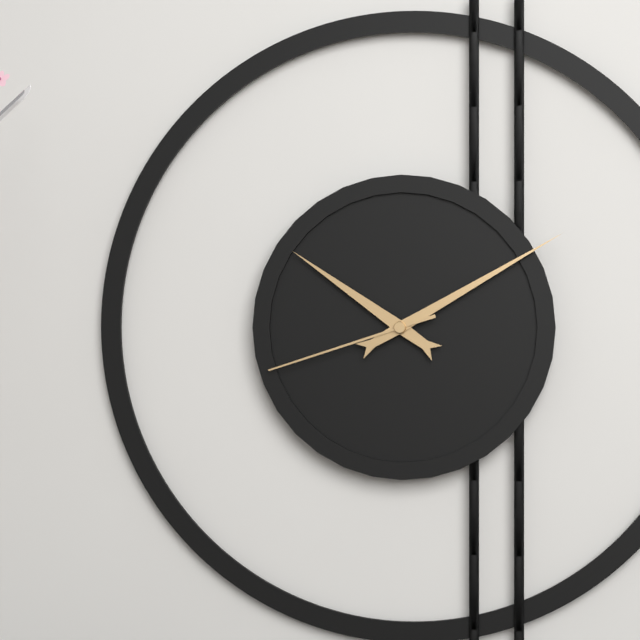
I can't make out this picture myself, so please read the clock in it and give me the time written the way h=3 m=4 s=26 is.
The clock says h=10 m=10 s=42
